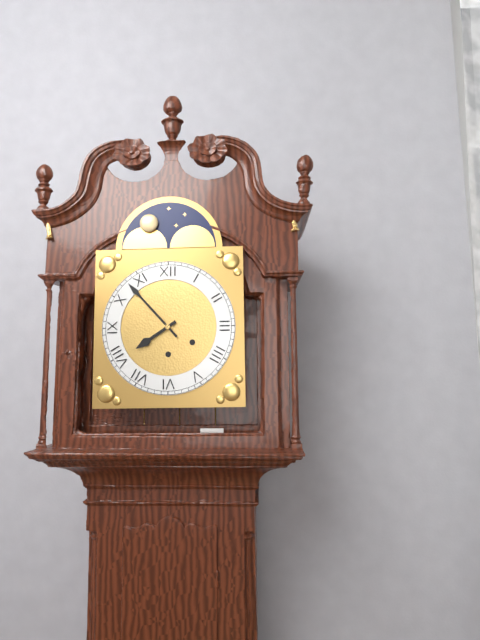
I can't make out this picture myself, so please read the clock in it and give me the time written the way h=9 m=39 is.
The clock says h=7 m=53
